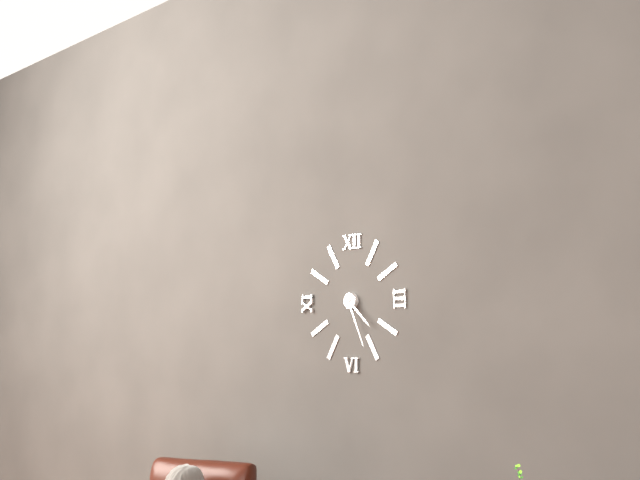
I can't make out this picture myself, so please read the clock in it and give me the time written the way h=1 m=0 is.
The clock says h=4 m=26
